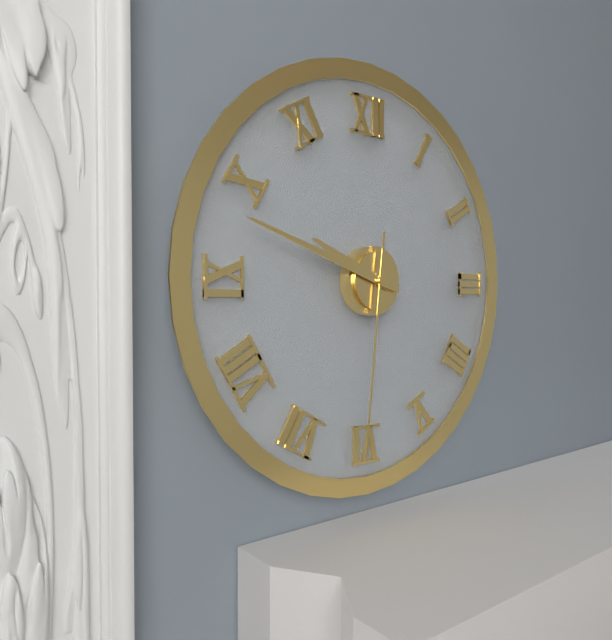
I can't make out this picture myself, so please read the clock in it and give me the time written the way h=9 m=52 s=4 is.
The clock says h=9 m=48 s=31
